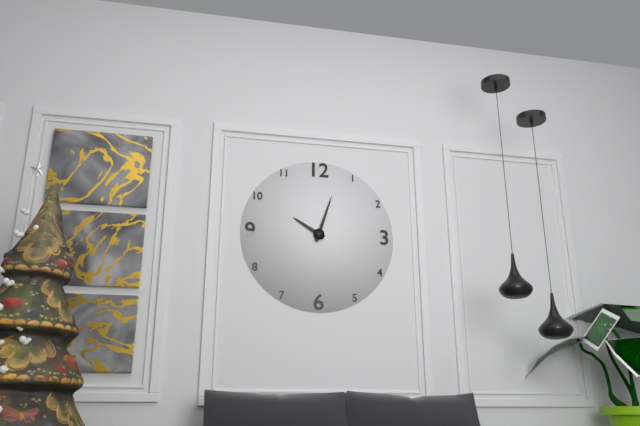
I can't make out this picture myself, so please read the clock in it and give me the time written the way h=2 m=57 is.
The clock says h=10 m=3
